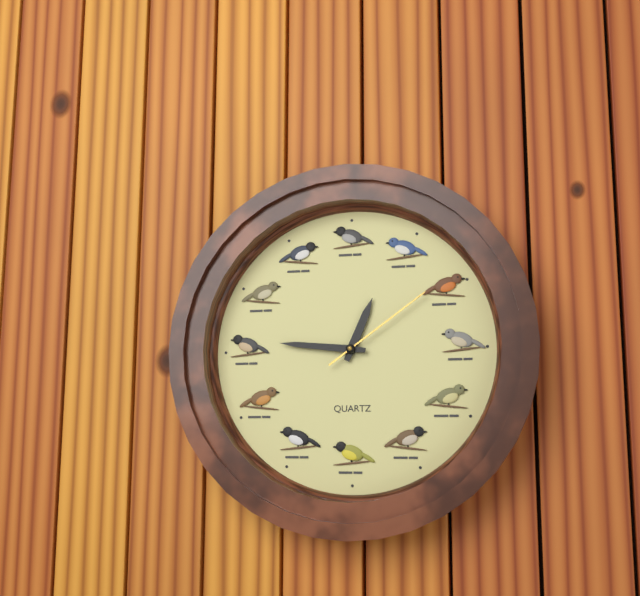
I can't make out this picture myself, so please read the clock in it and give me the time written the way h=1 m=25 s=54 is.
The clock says h=12 m=46 s=9
